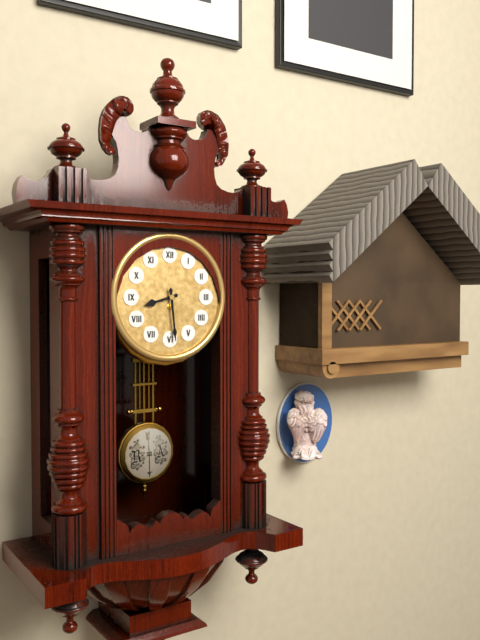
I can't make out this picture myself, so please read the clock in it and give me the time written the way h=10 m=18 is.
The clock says h=8 m=29
